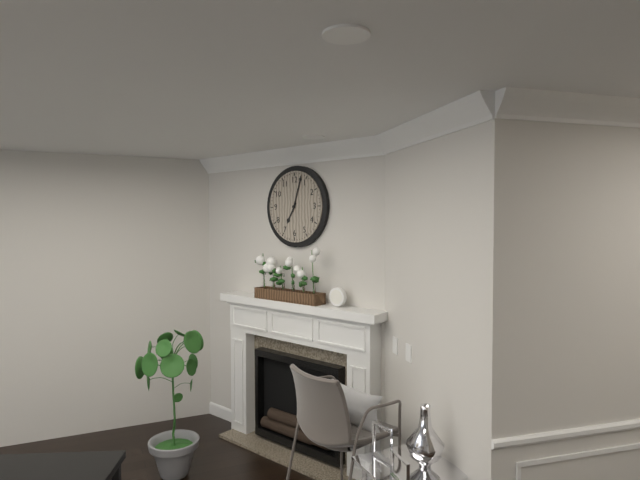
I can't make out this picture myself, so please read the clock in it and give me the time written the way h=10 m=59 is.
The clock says h=7 m=3
